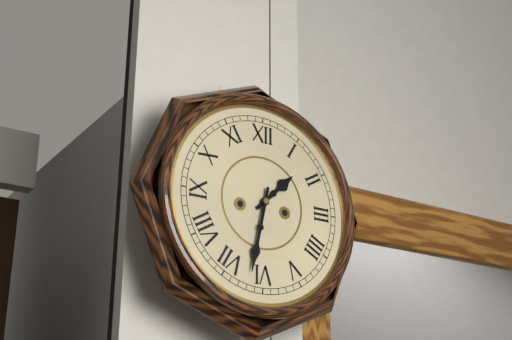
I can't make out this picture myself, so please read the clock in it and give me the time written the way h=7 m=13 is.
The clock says h=1 m=32
